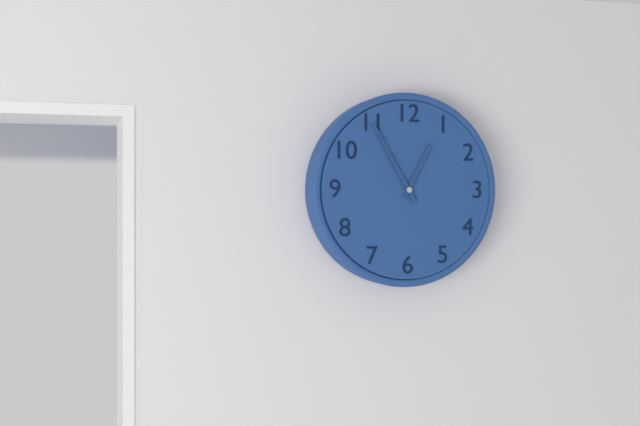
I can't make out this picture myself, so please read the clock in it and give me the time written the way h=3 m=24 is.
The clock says h=12 m=55
